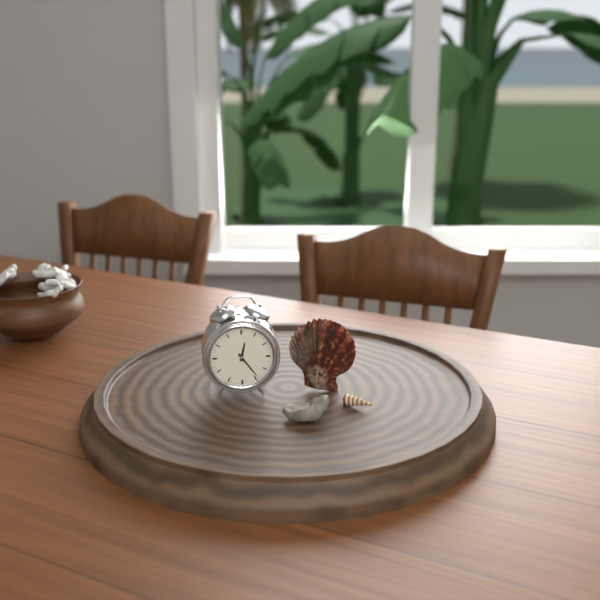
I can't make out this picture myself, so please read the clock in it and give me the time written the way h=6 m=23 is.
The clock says h=12 m=24
